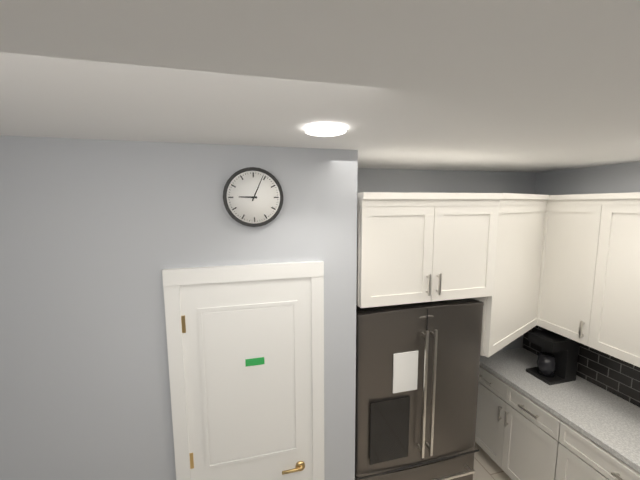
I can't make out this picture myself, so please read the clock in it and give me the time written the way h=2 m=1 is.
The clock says h=9 m=4
